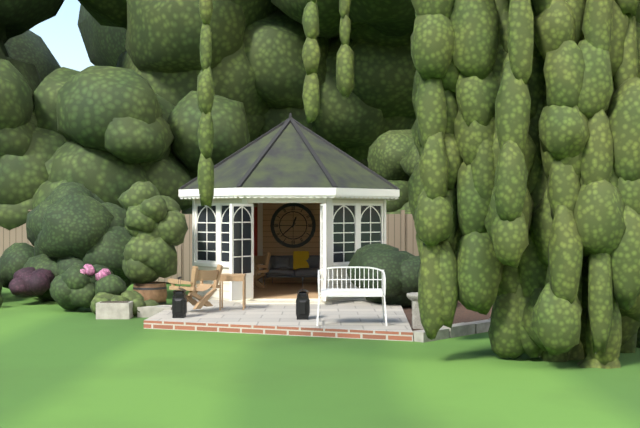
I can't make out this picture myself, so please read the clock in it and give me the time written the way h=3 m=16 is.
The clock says h=12 m=38
